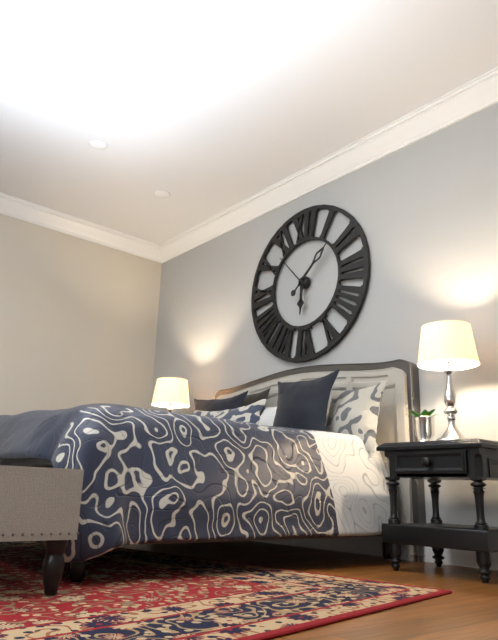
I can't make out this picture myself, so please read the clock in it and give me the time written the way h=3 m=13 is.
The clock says h=6 m=8
